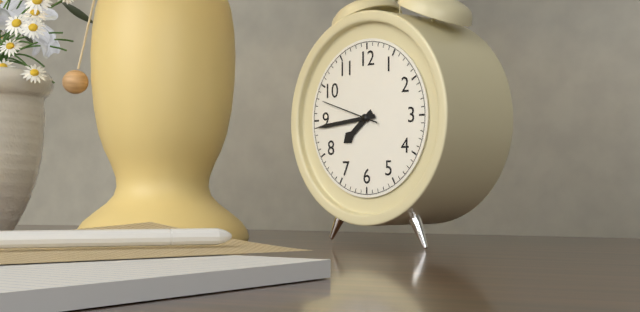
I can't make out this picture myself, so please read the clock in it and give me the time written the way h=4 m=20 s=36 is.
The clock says h=7 m=44 s=48
